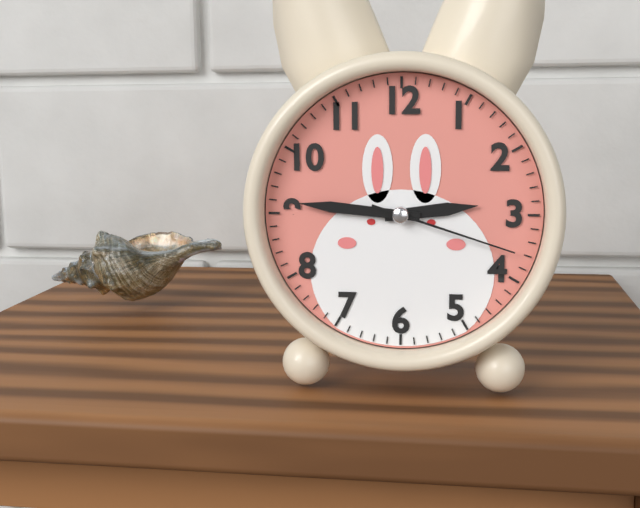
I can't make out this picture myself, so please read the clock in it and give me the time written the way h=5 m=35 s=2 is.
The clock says h=2 m=46 s=18
